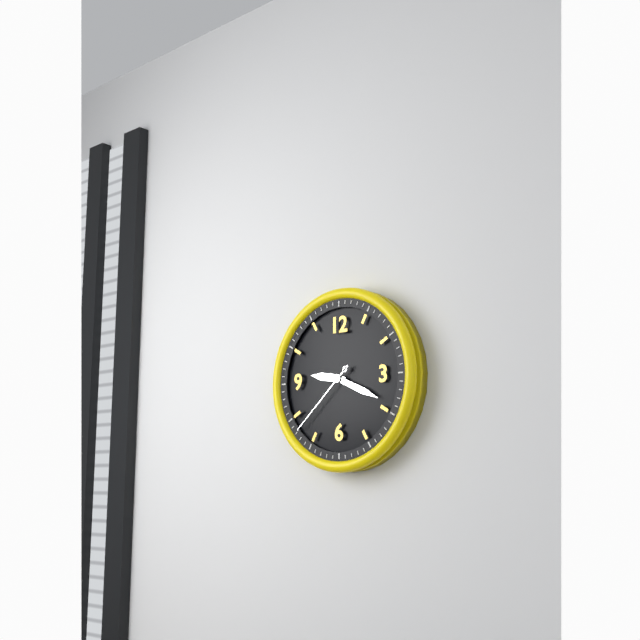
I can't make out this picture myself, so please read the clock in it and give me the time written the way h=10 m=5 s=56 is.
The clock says h=9 m=19 s=38
